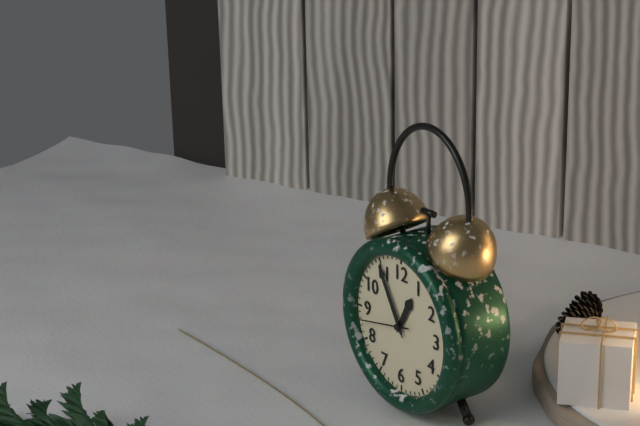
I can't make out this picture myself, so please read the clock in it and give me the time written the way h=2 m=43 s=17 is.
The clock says h=12 m=55 s=43
